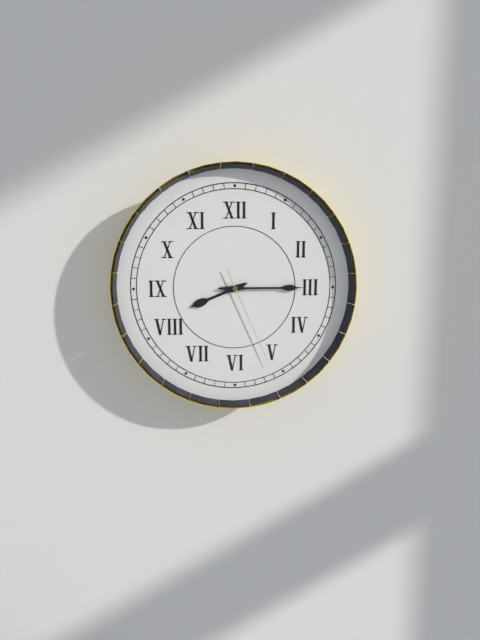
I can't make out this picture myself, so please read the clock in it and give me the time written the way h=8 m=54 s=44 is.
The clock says h=8 m=15 s=26
